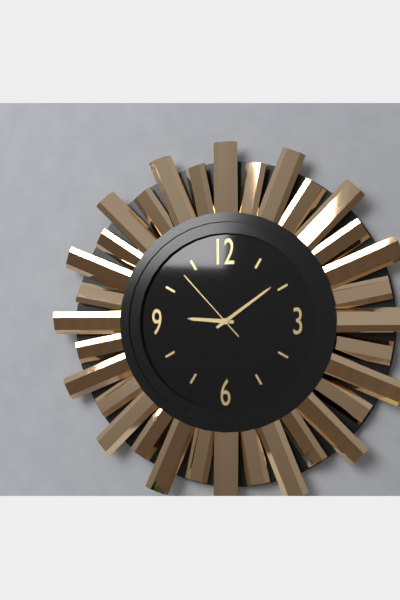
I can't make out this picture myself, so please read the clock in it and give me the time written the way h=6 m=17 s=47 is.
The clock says h=9 m=9 s=53
